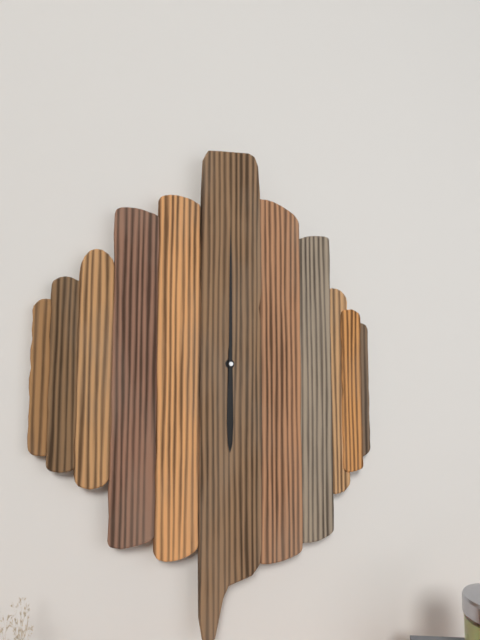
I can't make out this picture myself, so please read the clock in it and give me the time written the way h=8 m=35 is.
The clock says h=6 m=0
